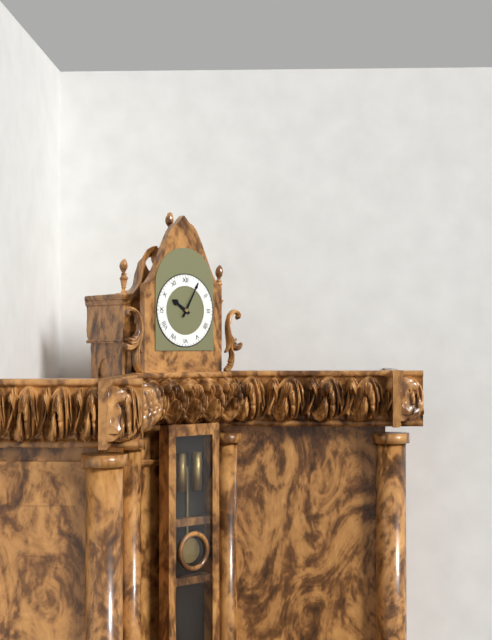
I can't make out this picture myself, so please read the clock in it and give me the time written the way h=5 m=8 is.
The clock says h=10 m=5
